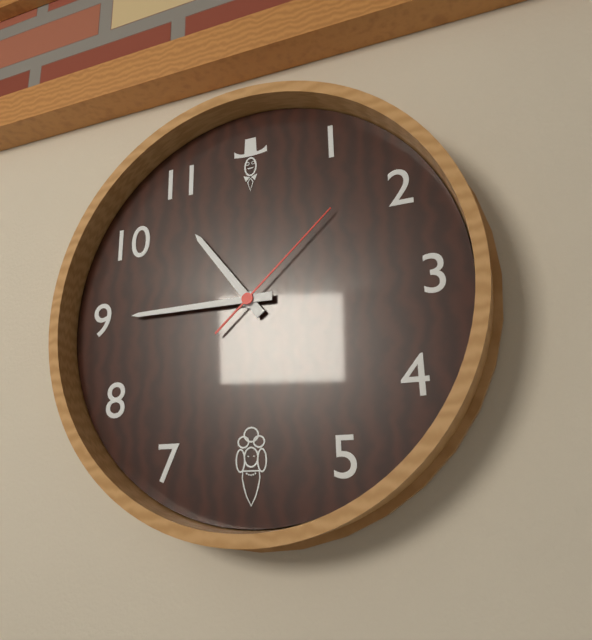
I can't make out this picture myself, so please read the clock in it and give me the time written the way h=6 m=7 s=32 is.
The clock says h=10 m=45 s=8
